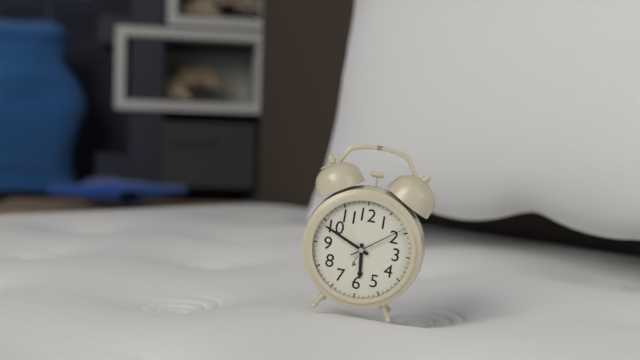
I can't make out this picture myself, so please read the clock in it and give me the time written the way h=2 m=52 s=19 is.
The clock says h=5 m=49 s=9
